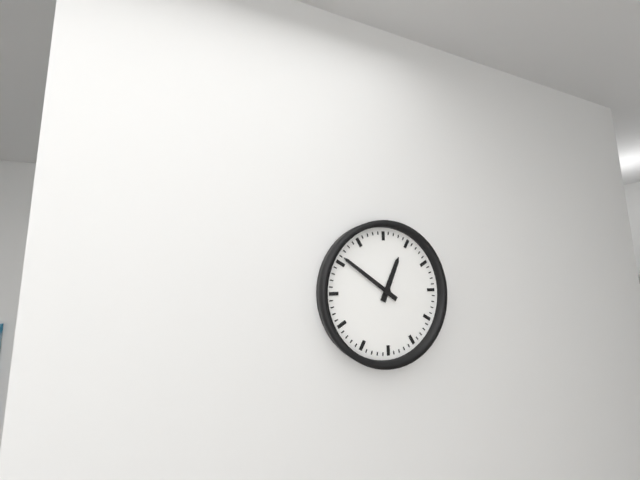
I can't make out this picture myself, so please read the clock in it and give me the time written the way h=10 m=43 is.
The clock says h=12 m=51
